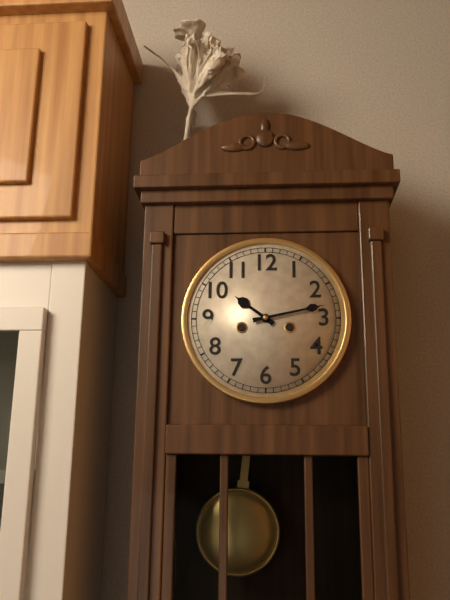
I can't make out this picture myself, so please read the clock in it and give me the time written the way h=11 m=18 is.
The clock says h=10 m=13
